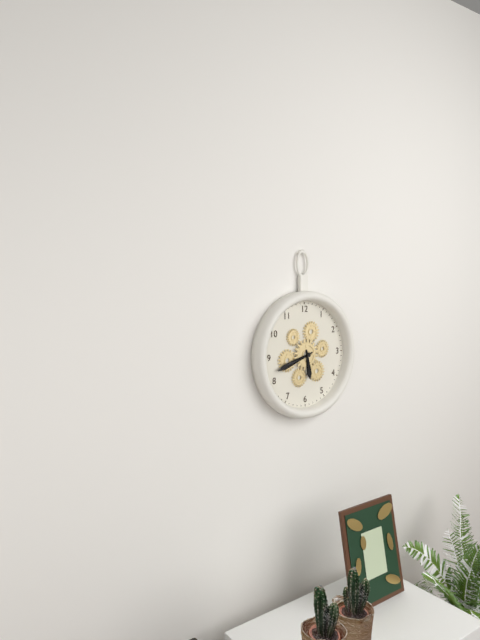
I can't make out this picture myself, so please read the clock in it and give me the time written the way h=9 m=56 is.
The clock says h=5 m=42
